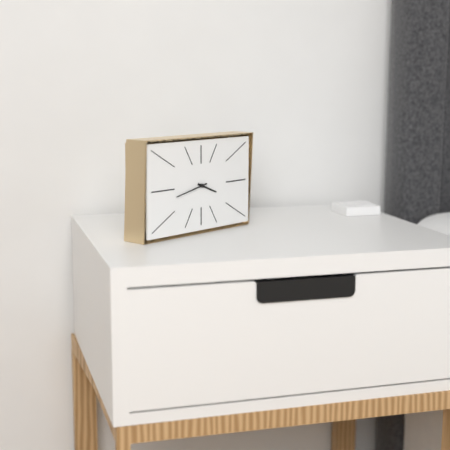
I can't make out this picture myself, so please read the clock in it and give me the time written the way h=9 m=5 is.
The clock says h=3 m=43
